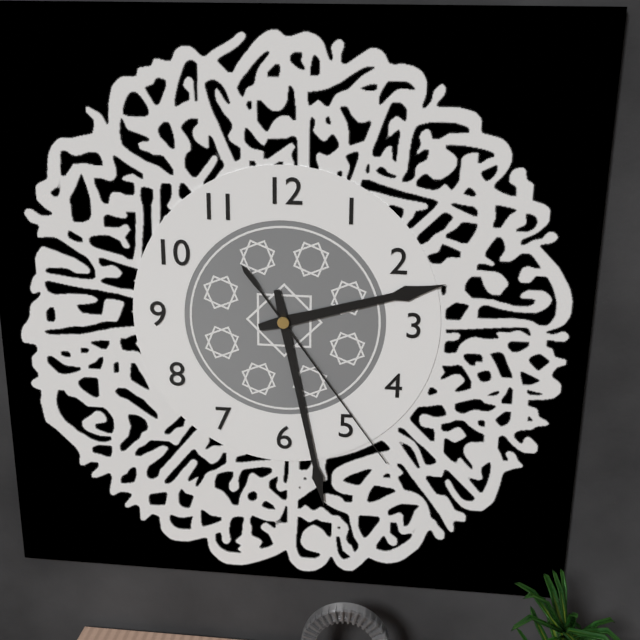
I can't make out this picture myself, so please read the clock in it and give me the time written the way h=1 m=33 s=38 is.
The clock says h=2 m=28 s=24
